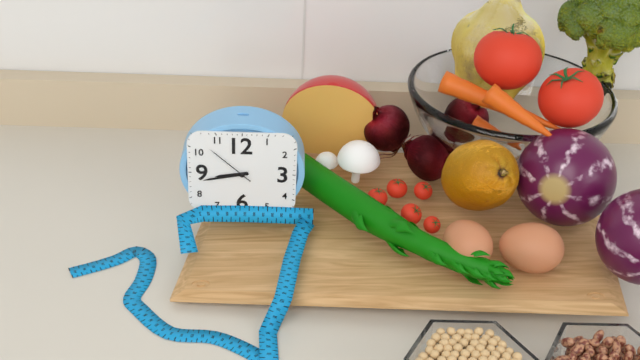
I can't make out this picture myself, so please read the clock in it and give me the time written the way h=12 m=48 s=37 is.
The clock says h=8 m=43 s=52
